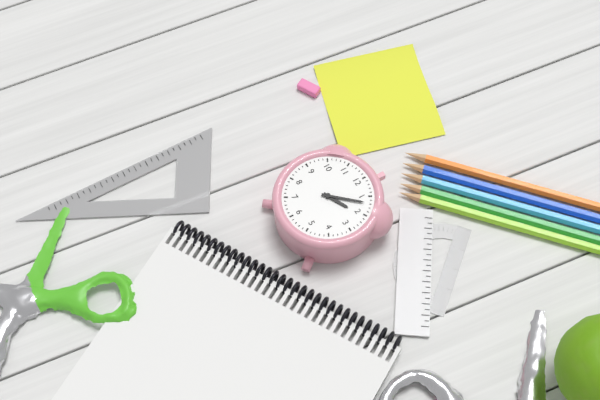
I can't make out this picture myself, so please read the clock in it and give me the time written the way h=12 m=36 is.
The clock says h=2 m=7
